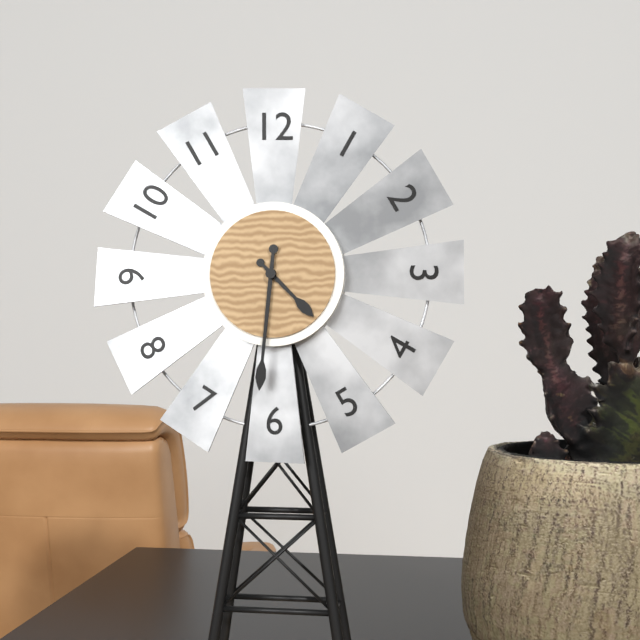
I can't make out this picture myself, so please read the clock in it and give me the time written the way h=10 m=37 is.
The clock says h=4 m=31
